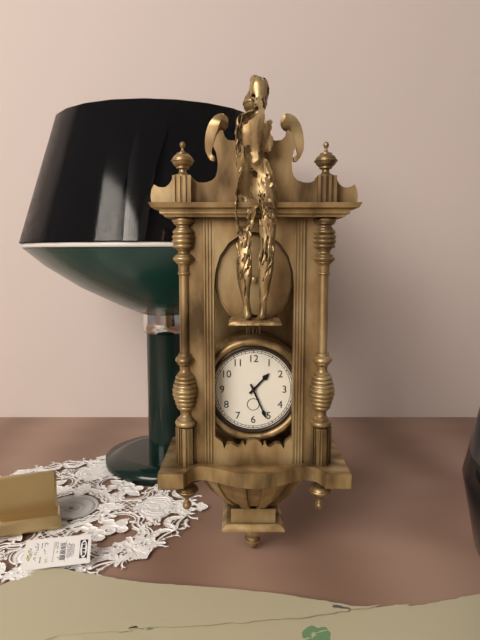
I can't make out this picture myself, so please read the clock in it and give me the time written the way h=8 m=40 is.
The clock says h=1 m=26
